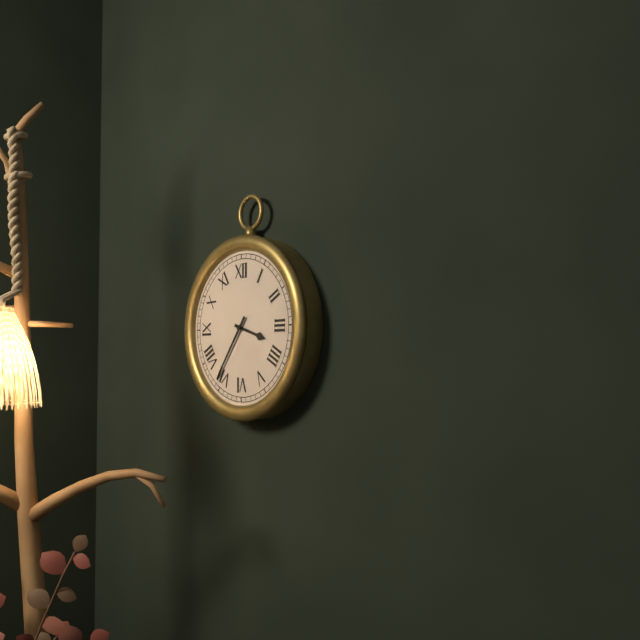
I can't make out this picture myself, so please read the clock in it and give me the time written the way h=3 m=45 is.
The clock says h=3 m=36
